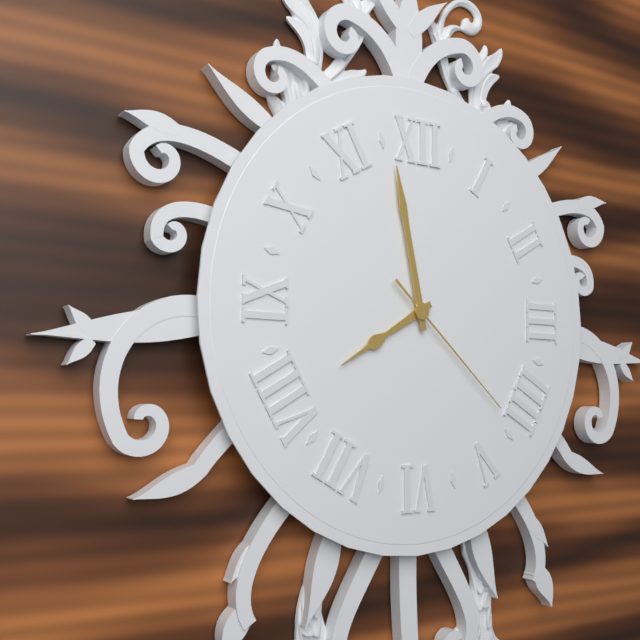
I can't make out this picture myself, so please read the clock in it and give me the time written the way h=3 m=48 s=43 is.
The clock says h=7 m=58 s=22
